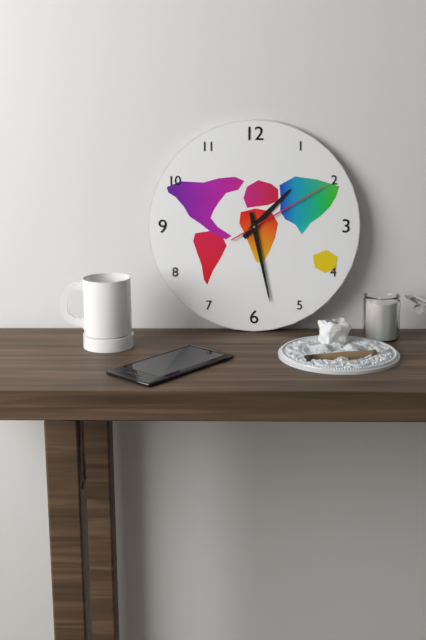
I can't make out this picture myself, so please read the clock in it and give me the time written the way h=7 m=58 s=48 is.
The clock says h=1 m=28 s=10
